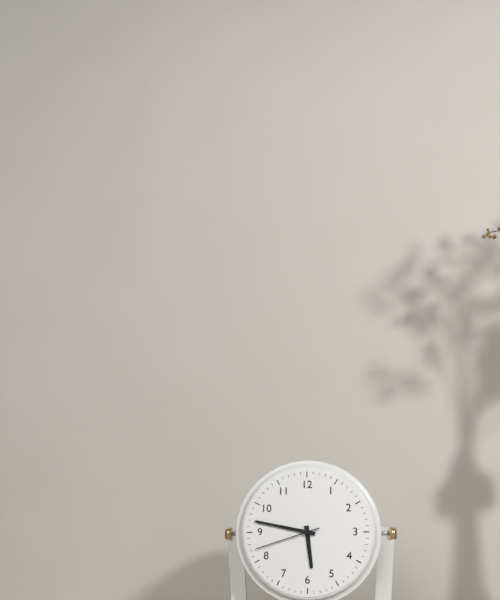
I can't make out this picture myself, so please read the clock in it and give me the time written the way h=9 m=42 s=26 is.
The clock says h=5 m=47 s=42
